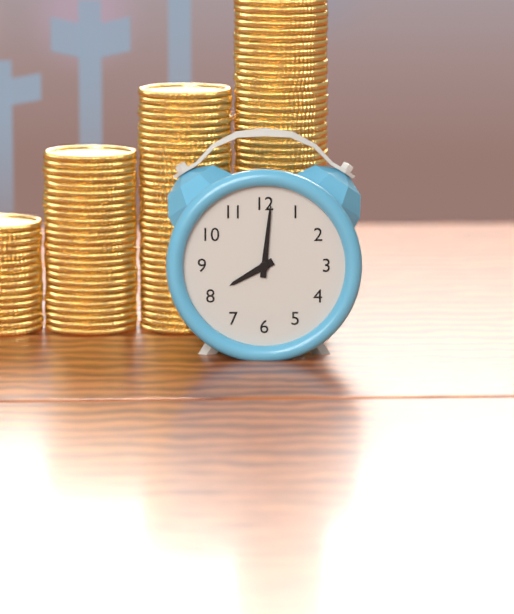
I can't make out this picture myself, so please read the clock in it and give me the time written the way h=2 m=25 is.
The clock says h=8 m=1
